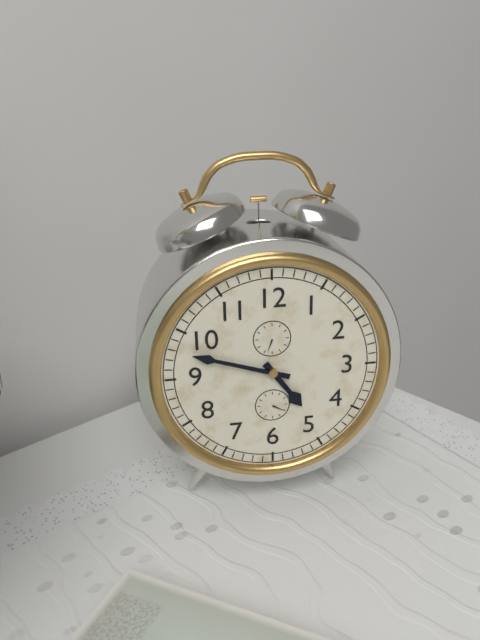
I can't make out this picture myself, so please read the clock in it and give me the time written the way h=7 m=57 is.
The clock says h=4 m=48
